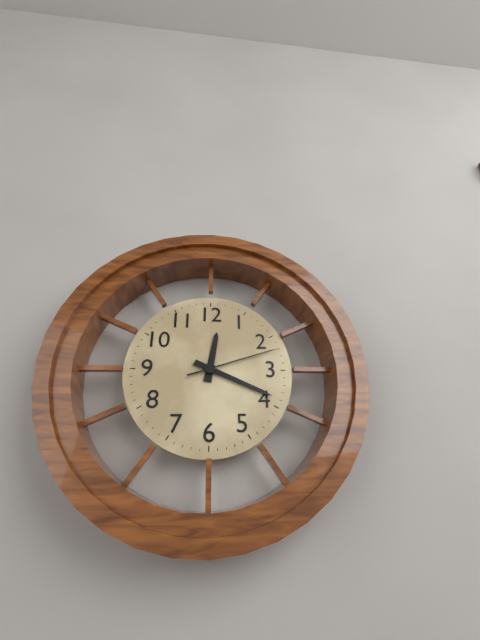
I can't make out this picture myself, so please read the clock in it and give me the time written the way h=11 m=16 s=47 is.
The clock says h=12 m=19 s=12
